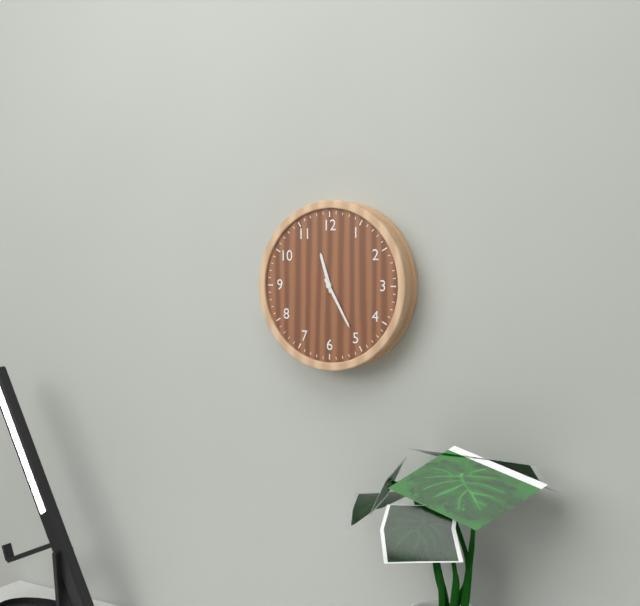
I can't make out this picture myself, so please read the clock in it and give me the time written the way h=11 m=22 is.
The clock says h=11 m=25
